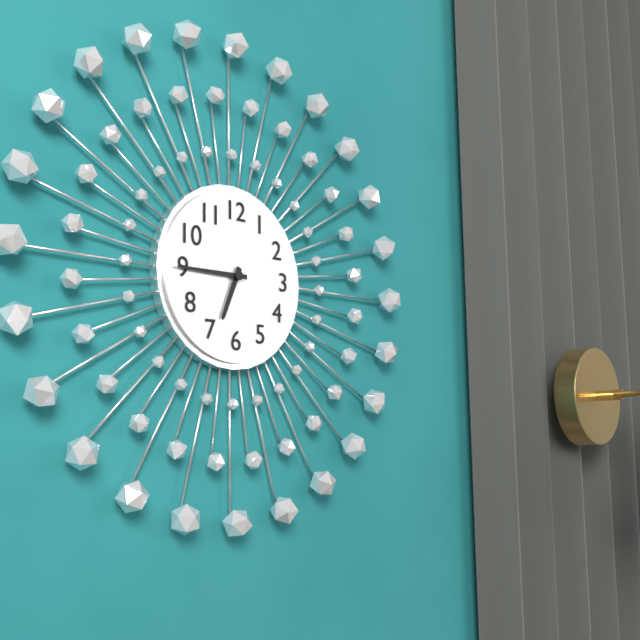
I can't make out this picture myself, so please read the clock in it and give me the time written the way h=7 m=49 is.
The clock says h=6 m=45
